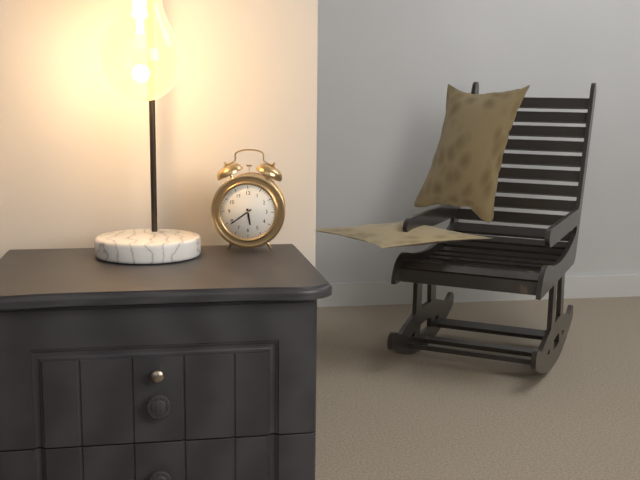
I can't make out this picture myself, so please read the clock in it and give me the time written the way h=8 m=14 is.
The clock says h=5 m=39
